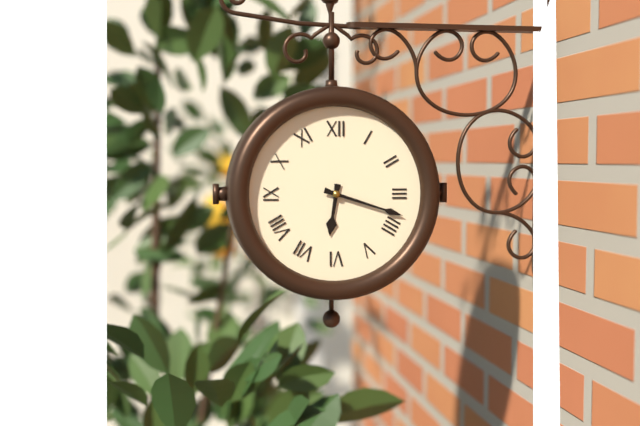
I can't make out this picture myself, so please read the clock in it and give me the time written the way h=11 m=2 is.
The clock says h=6 m=18
